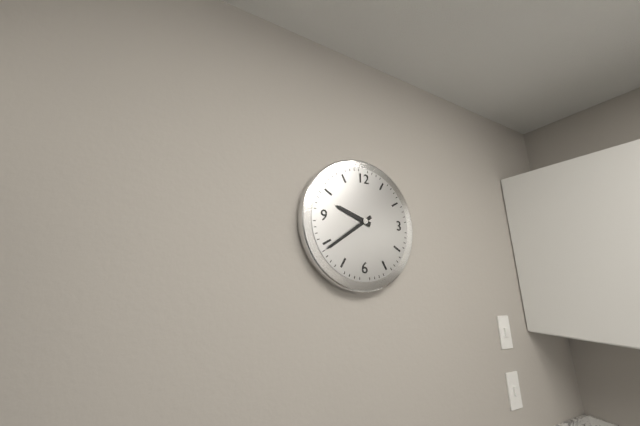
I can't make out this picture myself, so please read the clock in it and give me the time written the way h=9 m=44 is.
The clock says h=9 m=39
